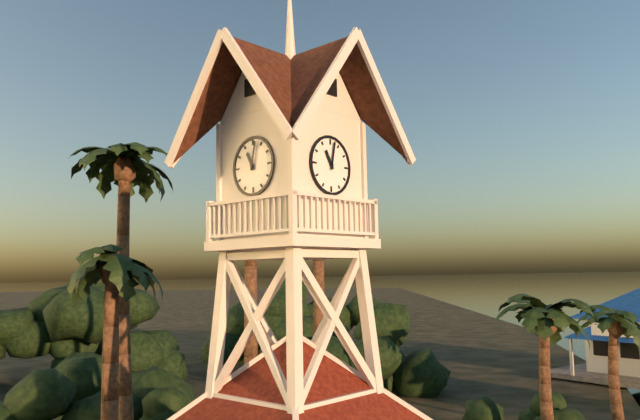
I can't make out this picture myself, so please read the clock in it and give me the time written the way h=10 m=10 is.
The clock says h=11 m=2
